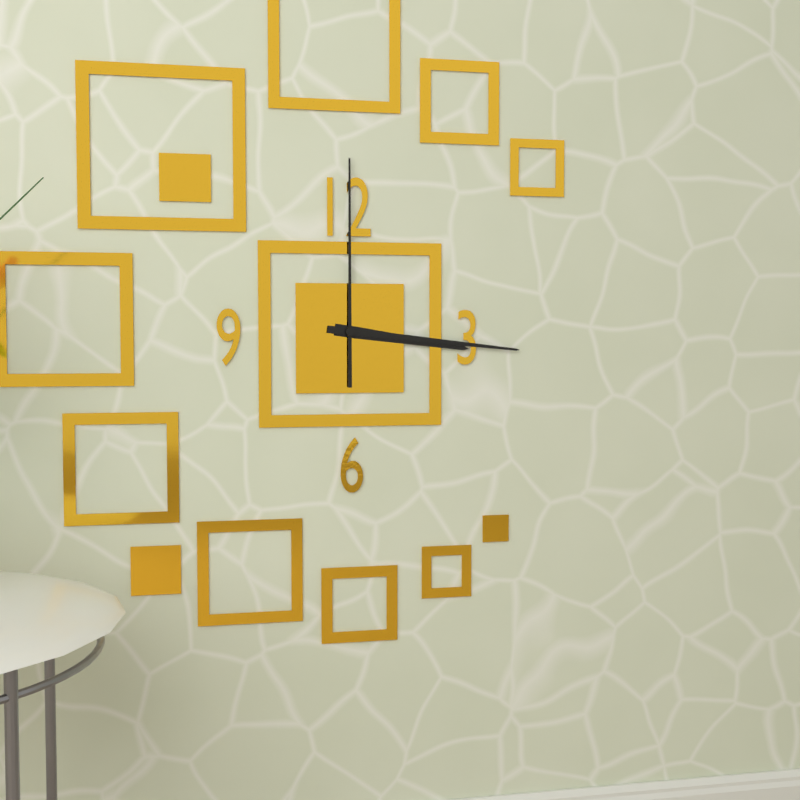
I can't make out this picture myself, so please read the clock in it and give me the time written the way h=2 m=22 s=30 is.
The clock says h=3 m=16 s=0
